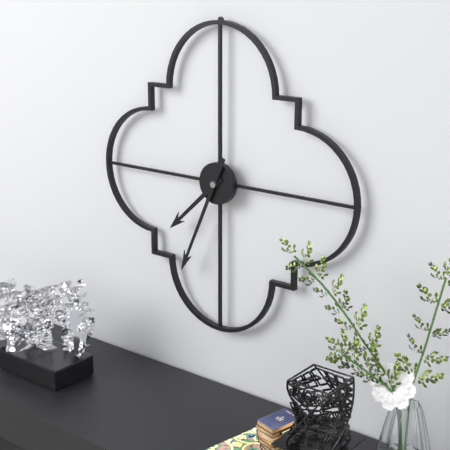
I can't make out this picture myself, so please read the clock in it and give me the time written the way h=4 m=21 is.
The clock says h=7 m=34
